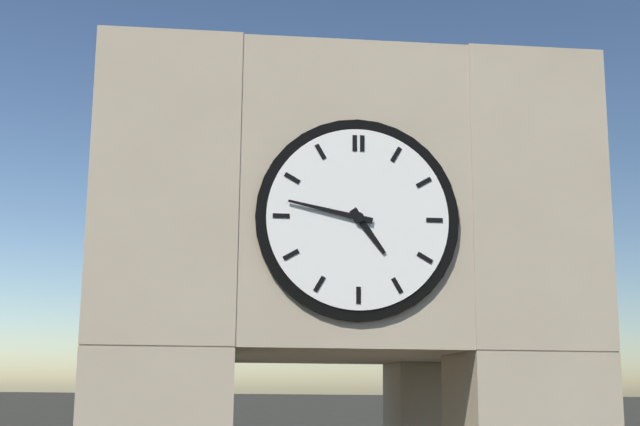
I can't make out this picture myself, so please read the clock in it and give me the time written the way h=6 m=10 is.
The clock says h=4 m=47
